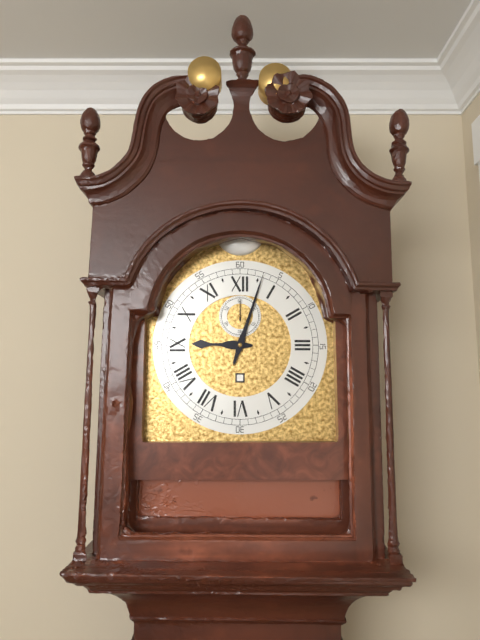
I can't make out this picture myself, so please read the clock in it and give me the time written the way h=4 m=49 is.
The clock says h=9 m=3
